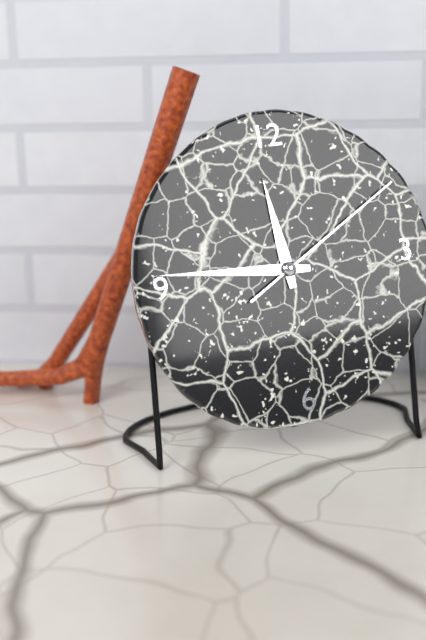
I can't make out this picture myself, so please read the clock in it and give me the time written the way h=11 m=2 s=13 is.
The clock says h=11 m=46 s=10
